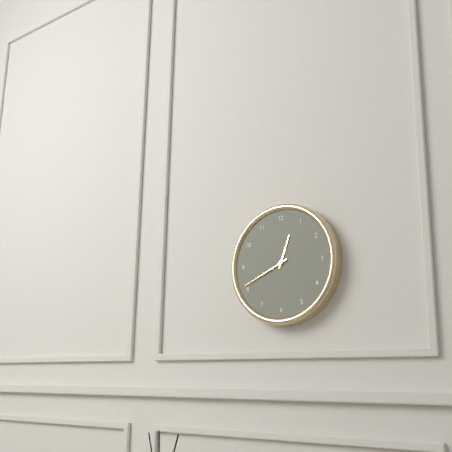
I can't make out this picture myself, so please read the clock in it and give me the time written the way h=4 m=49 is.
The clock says h=12 m=41
